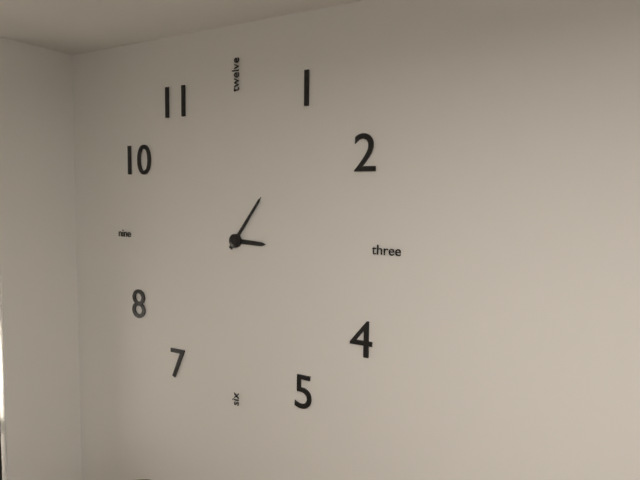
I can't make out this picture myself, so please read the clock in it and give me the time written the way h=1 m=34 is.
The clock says h=3 m=6
